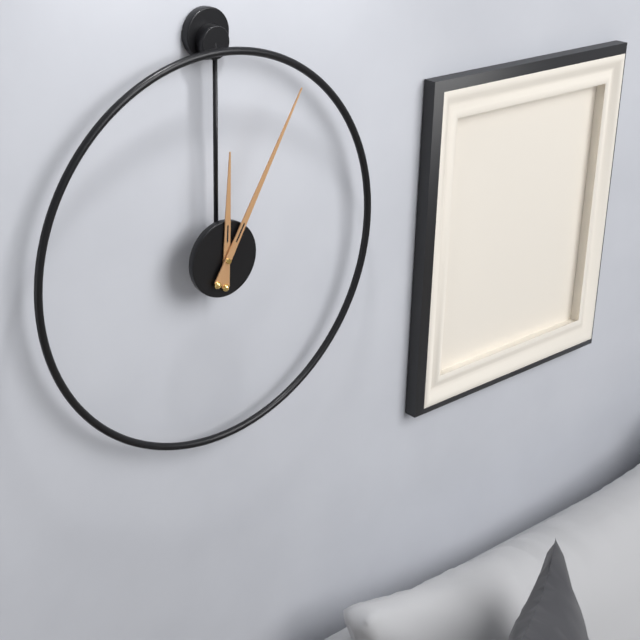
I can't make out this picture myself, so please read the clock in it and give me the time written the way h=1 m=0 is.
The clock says h=12 m=5
